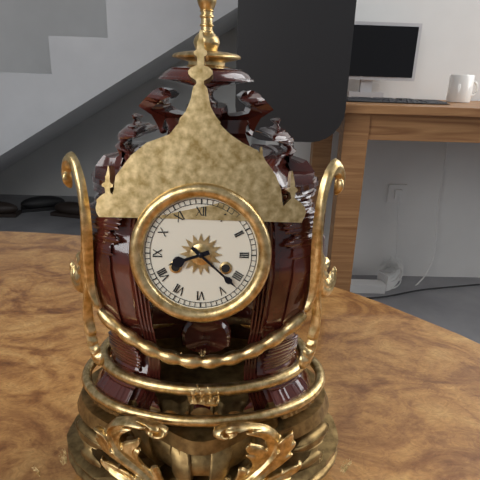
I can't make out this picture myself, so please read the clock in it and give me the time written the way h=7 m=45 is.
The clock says h=8 m=22
